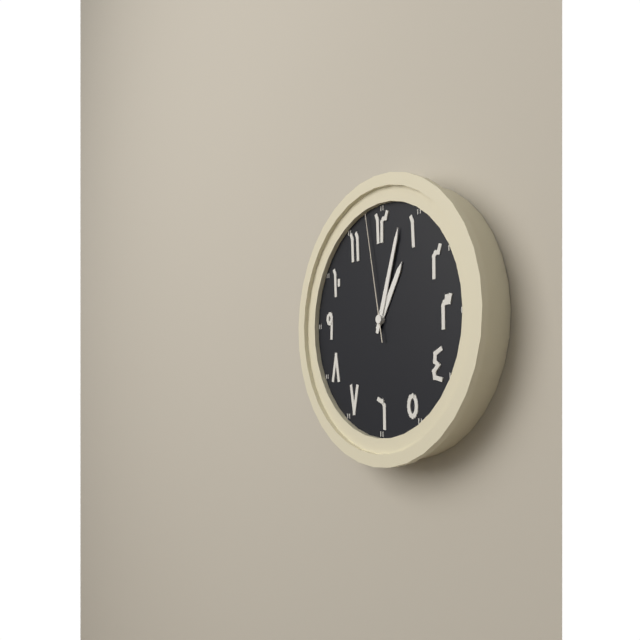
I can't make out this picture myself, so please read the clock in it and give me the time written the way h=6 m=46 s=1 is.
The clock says h=1 m=3 s=58
